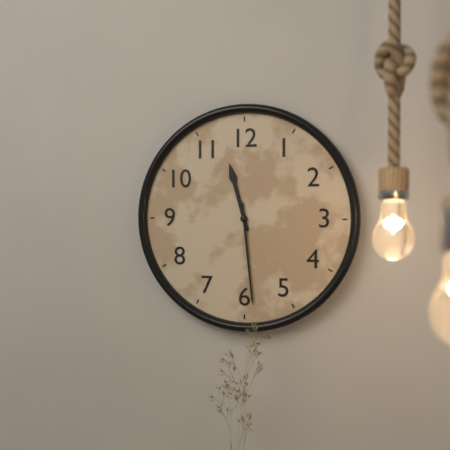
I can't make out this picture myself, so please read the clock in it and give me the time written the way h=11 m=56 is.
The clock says h=11 m=29
